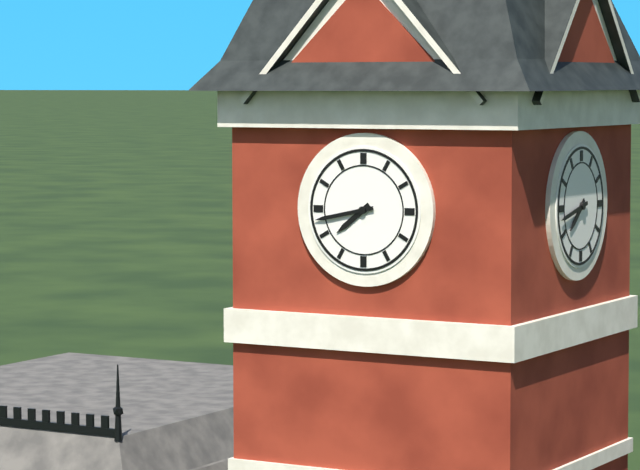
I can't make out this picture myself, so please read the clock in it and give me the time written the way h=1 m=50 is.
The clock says h=7 m=43
